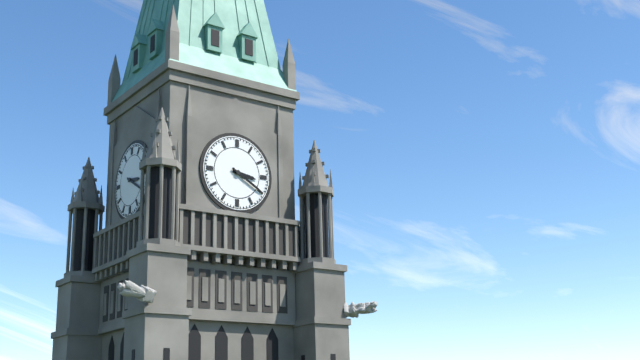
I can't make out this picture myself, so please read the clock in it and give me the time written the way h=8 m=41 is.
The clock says h=3 m=20
